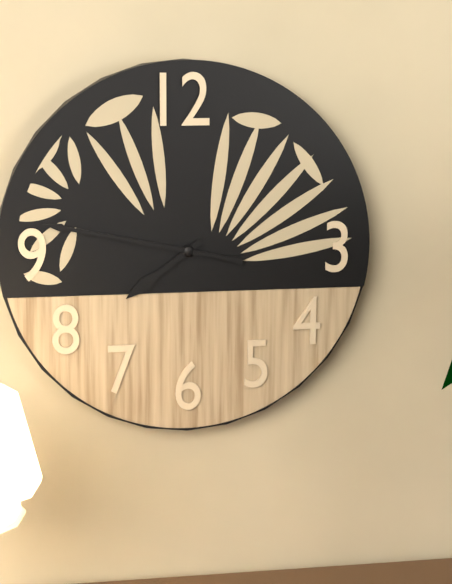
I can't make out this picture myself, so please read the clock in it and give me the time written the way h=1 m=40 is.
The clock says h=7 m=47
